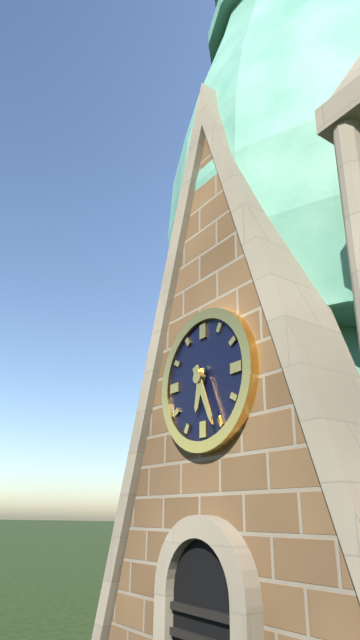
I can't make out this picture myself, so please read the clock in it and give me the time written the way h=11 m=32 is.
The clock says h=6 m=26
